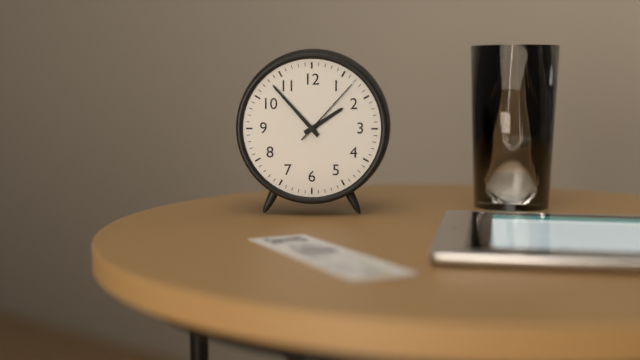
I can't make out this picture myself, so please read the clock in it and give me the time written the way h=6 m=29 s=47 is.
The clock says h=1 m=53 s=7
